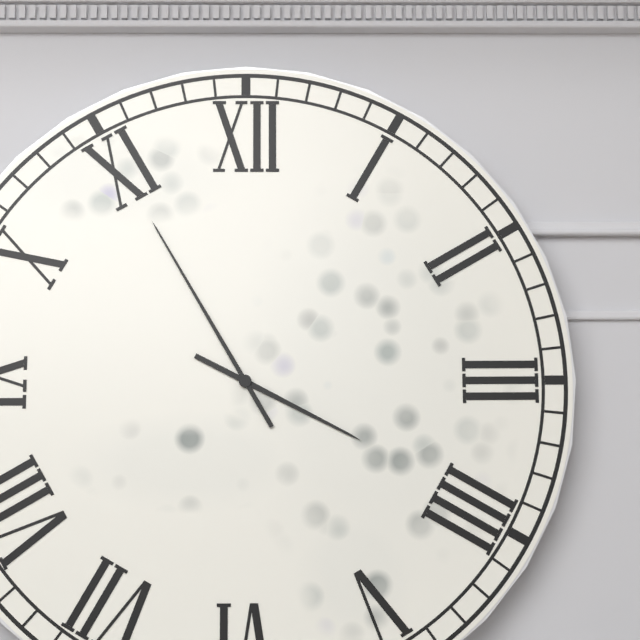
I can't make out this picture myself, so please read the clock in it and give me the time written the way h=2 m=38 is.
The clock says h=3 m=55
